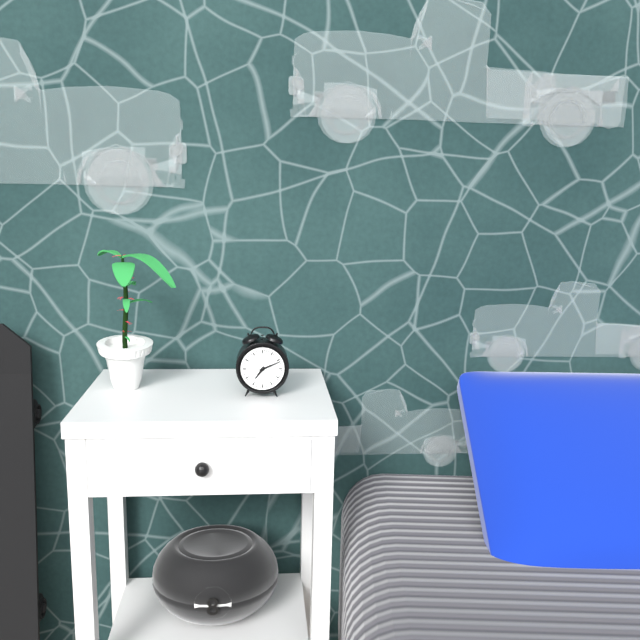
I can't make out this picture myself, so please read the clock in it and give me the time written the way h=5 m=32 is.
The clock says h=7 m=11
